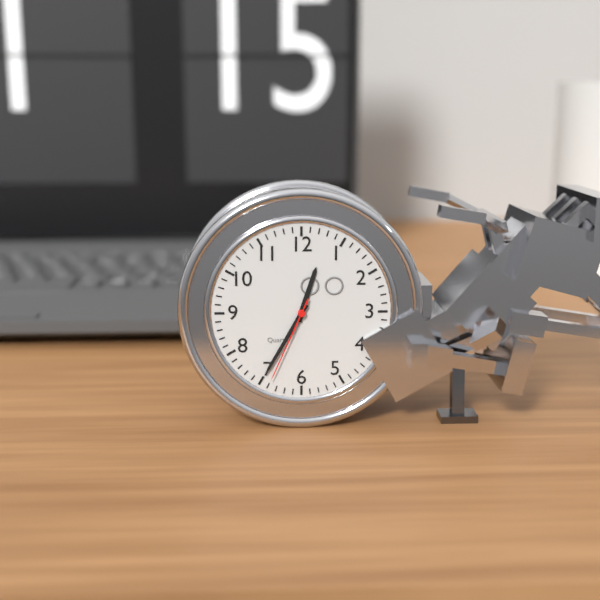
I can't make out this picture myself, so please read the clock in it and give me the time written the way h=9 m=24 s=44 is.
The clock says h=12 m=35 s=34
